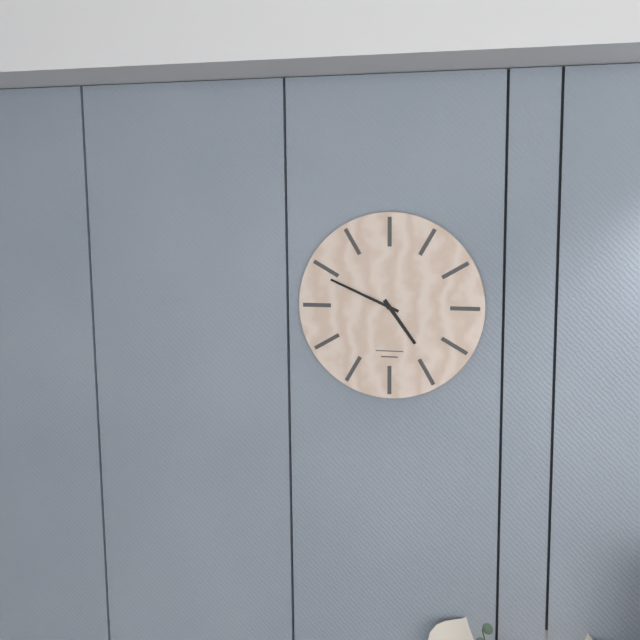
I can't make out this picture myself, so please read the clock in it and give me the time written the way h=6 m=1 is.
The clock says h=4 m=49
